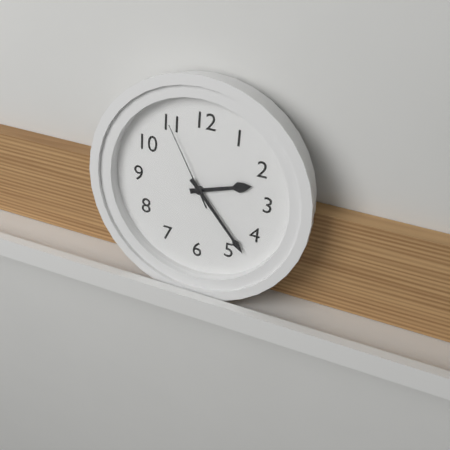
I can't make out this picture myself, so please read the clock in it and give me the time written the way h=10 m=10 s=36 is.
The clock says h=2 m=23 s=55
